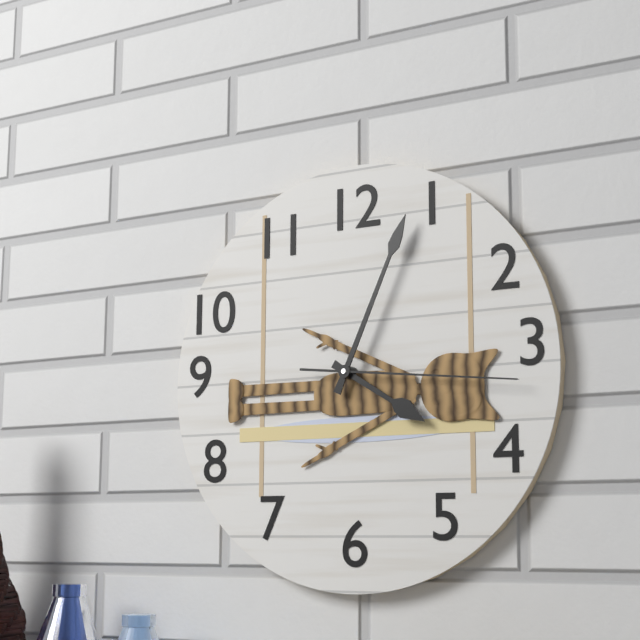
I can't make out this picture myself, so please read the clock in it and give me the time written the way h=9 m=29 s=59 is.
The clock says h=4 m=4 s=16
